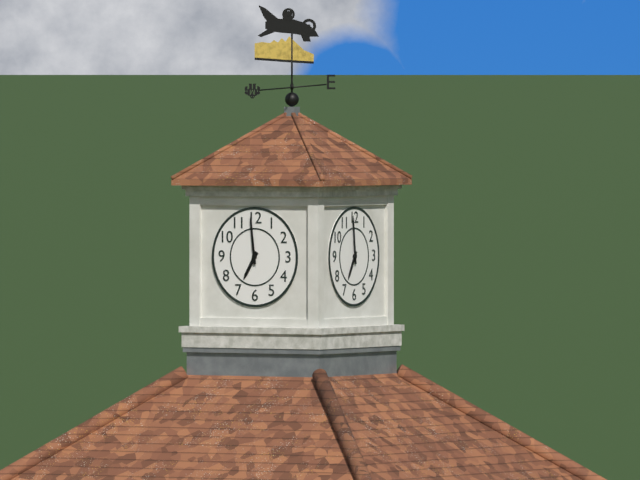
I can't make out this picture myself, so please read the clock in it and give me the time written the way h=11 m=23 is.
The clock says h=6 m=59
